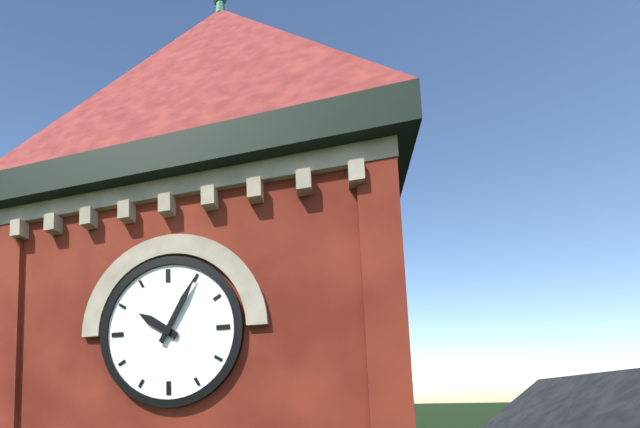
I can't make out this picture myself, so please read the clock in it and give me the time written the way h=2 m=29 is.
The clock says h=10 m=5
